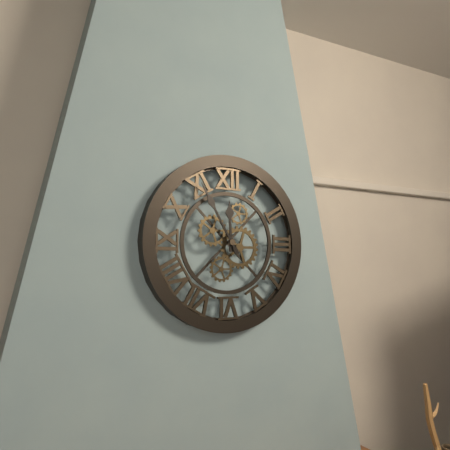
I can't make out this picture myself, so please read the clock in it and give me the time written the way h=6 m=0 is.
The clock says h=11 m=55
